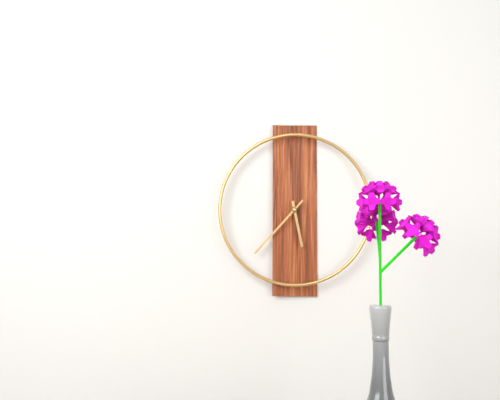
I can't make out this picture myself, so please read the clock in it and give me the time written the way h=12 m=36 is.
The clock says h=5 m=37
